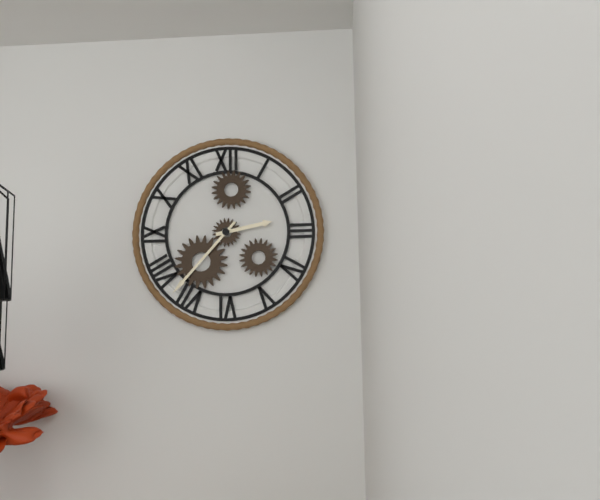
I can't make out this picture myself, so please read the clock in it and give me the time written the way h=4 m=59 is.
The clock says h=2 m=37
